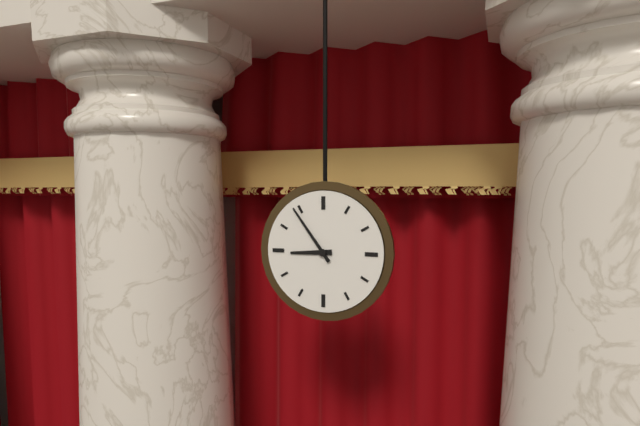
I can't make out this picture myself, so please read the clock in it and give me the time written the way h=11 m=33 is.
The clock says h=8 m=54
